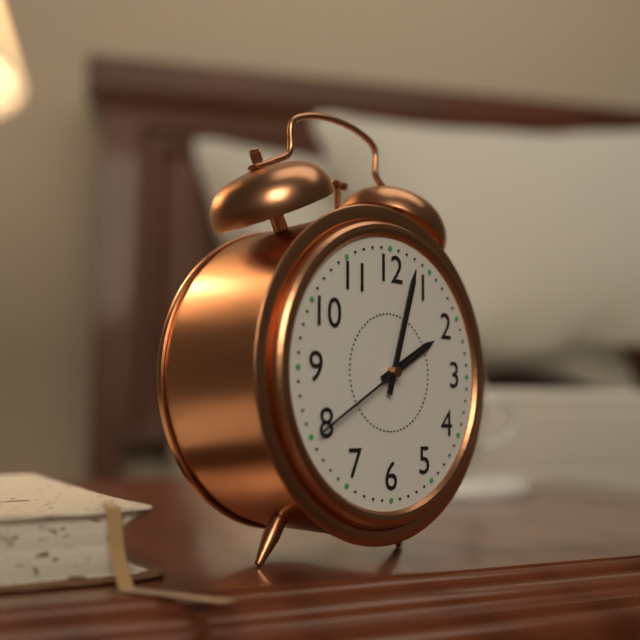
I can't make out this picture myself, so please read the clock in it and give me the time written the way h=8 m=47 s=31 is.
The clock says h=2 m=3 s=40
